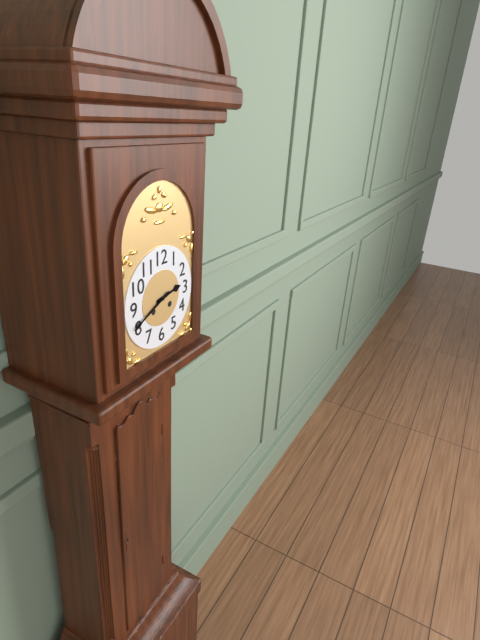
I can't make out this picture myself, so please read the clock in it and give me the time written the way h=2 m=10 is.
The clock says h=2 m=41
